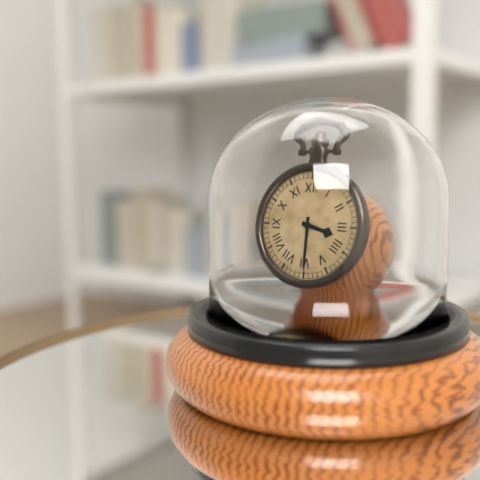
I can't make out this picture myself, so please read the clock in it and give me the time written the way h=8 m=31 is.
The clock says h=3 m=30
